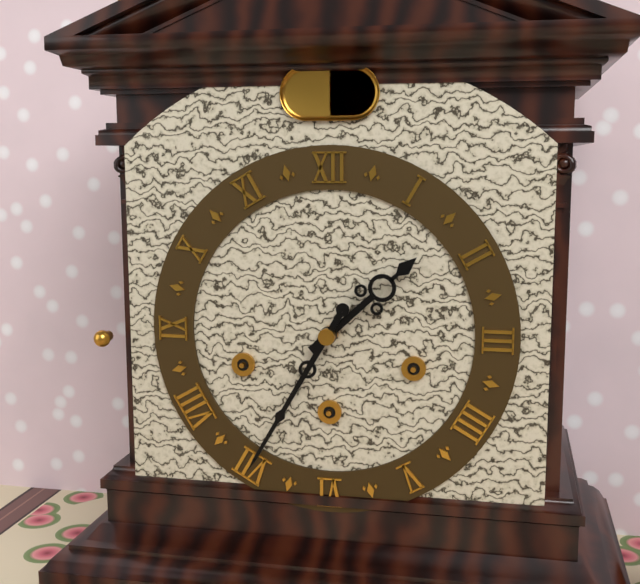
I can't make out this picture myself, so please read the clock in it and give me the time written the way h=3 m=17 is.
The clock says h=1 m=35
